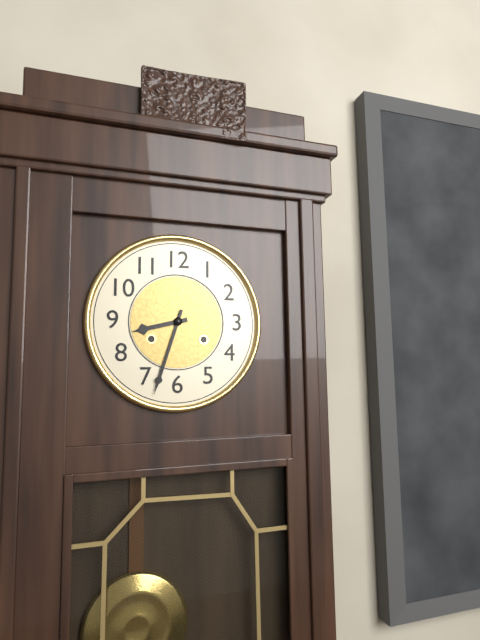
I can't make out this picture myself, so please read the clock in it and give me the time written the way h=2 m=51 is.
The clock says h=8 m=33
